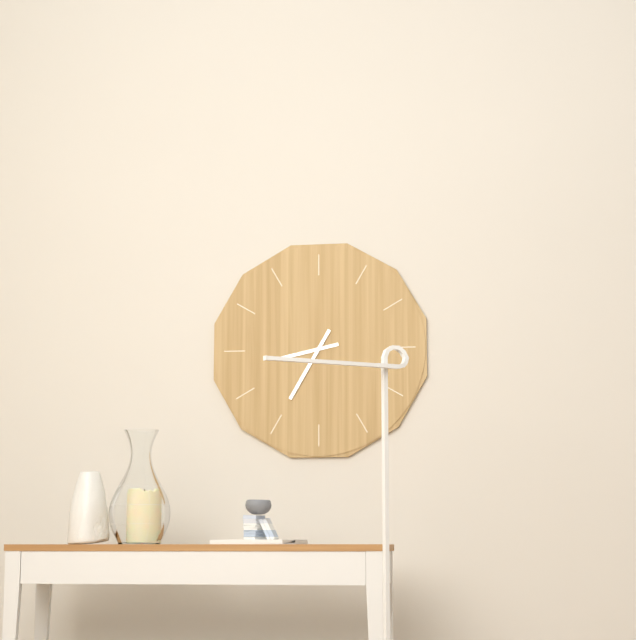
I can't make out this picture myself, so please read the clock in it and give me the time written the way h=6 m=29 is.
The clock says h=8 m=35
